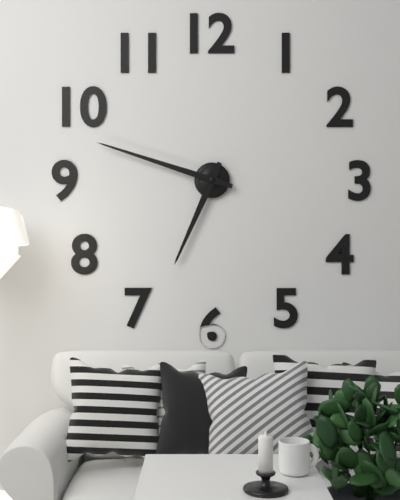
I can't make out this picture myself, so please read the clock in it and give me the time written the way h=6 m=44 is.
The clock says h=6 m=48
